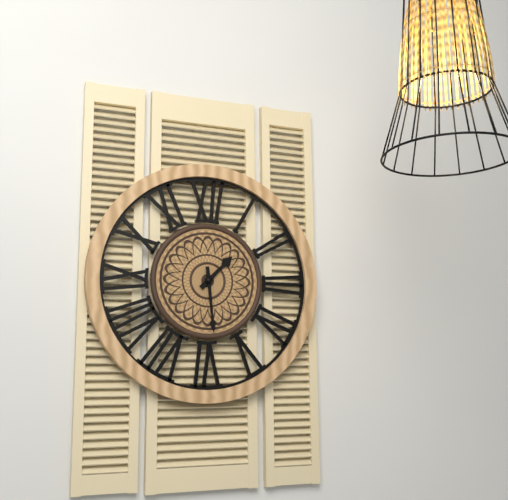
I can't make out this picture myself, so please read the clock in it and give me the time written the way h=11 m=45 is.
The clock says h=1 m=29
